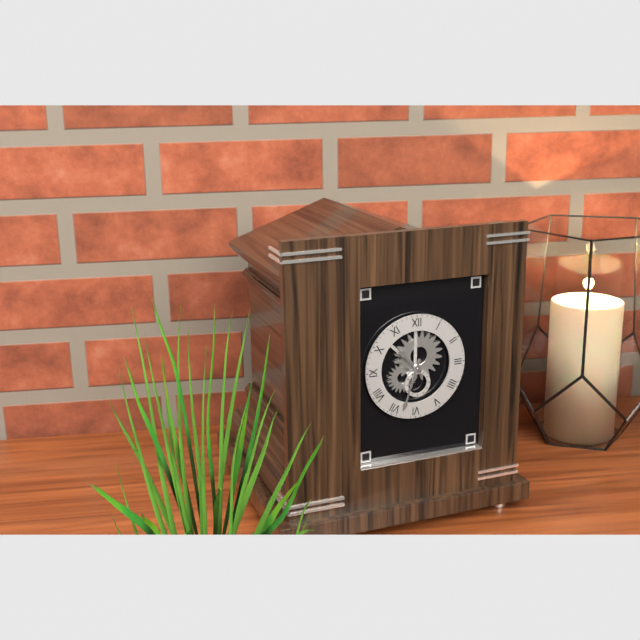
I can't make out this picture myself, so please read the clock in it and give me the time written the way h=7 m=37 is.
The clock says h=10 m=33
